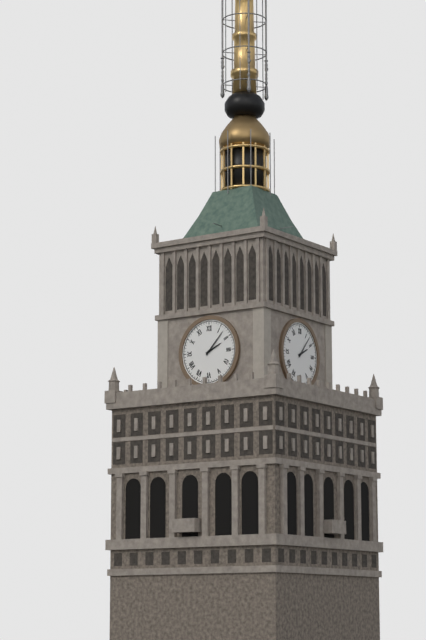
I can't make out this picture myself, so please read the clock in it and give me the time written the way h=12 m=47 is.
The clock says h=2 m=7
